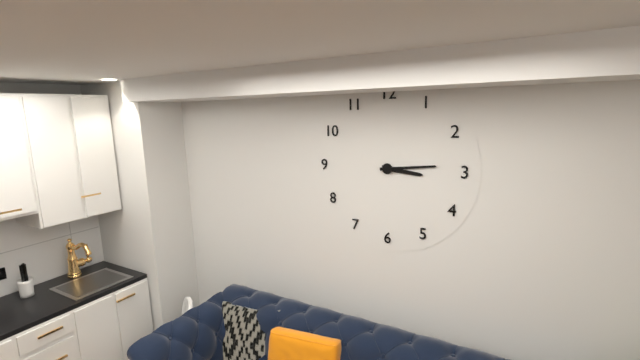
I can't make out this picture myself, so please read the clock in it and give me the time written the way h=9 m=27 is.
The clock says h=3 m=14
